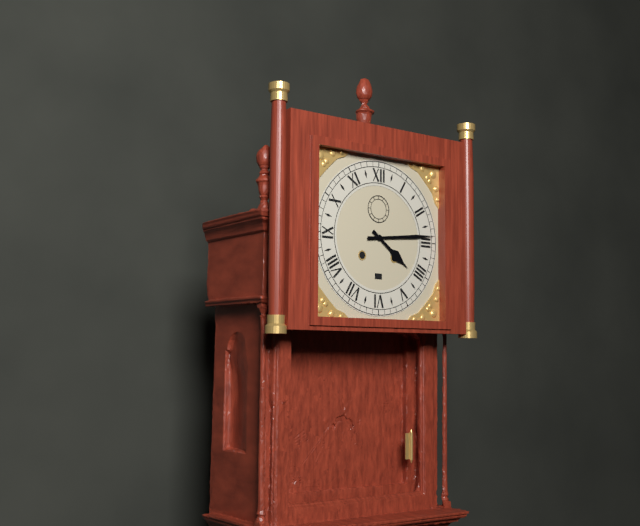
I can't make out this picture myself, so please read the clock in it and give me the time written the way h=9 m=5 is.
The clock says h=4 m=14
